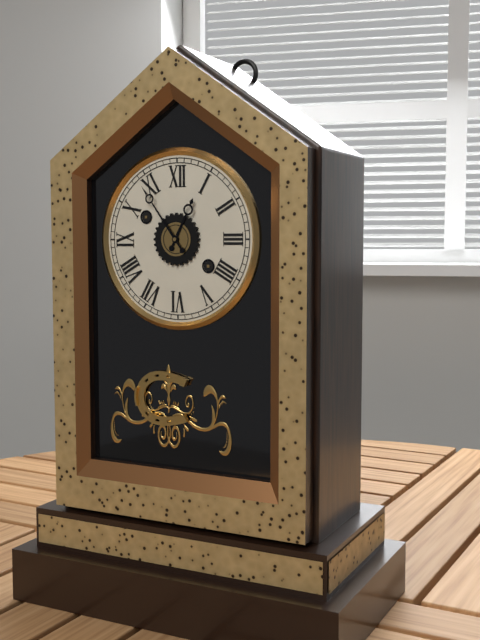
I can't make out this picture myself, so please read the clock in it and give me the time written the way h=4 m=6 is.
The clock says h=12 m=54
